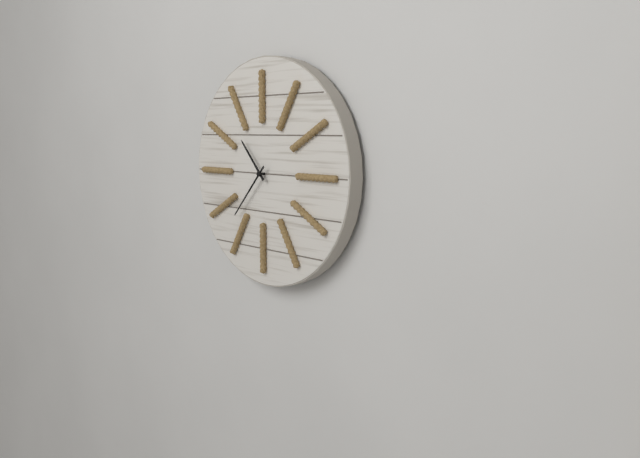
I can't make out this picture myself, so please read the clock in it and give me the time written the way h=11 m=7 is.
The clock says h=10 m=37
